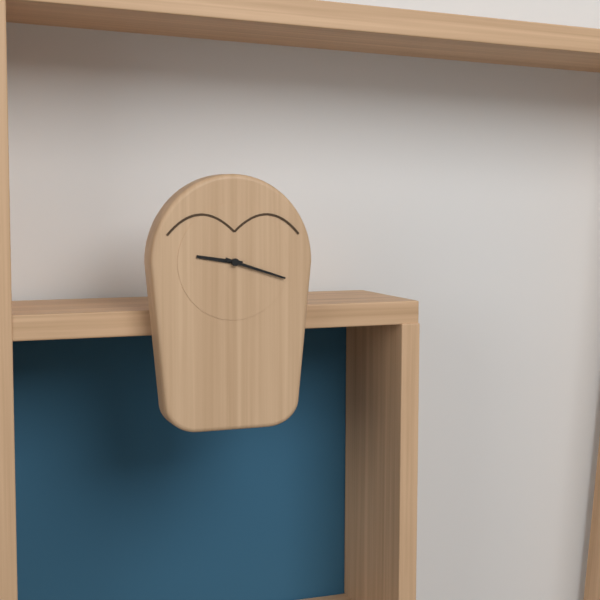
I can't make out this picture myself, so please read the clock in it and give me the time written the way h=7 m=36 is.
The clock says h=9 m=18
